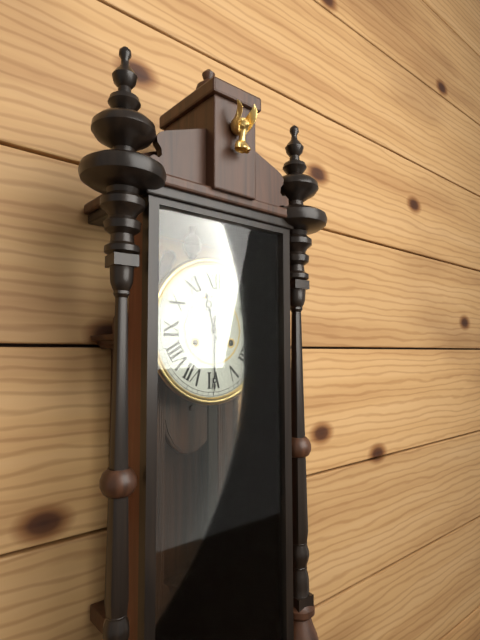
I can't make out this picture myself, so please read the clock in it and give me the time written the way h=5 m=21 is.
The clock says h=11 m=30
